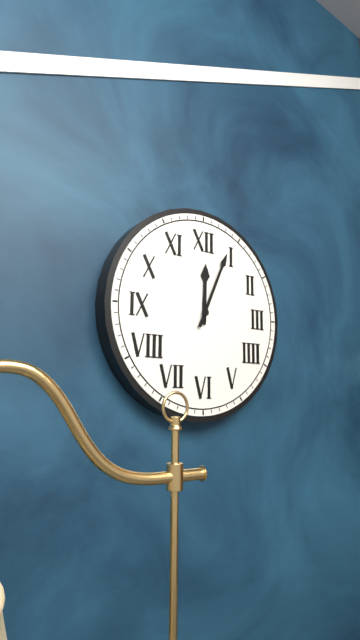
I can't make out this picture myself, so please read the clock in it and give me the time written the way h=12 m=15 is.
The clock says h=12 m=4
